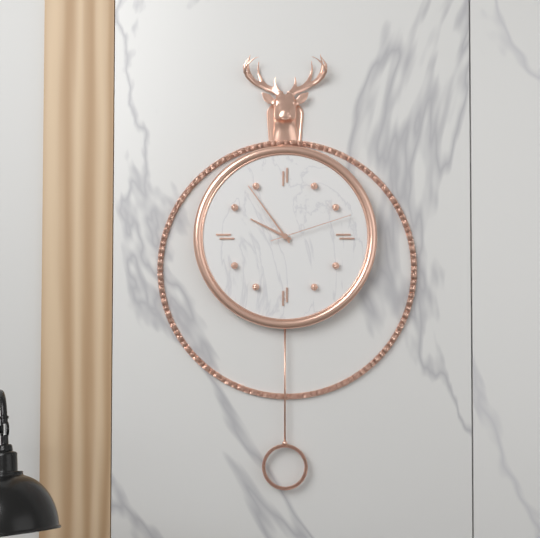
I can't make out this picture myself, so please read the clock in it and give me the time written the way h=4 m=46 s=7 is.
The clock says h=9 m=54 s=12
